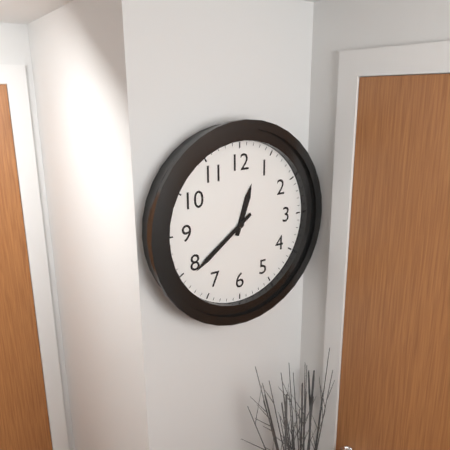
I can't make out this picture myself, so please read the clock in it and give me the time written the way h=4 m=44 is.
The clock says h=12 m=39
